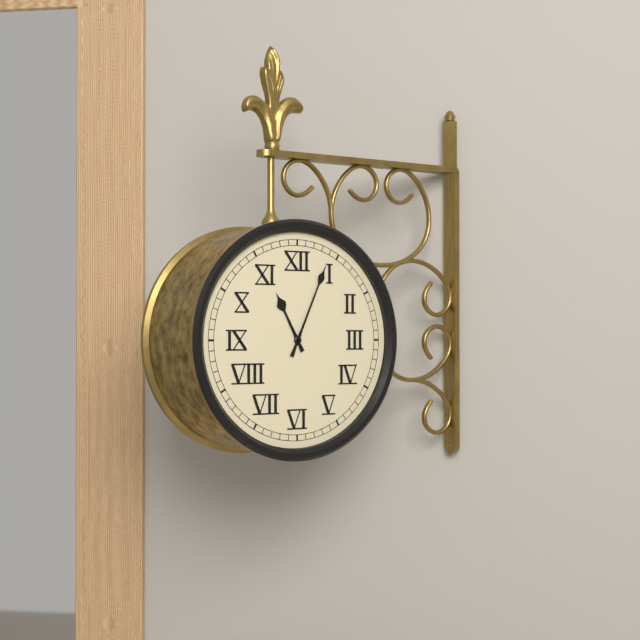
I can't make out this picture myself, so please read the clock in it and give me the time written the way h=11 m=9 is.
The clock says h=11 m=4
